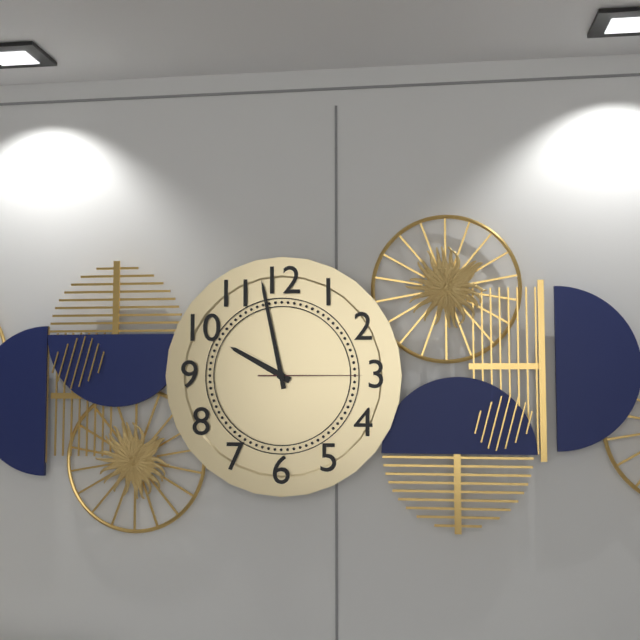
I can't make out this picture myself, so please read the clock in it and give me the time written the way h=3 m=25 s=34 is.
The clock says h=9 m=58 s=15
